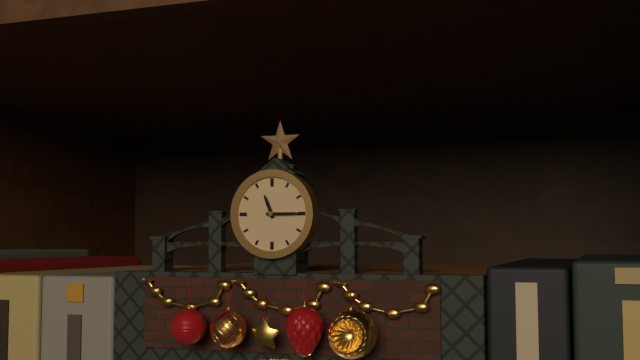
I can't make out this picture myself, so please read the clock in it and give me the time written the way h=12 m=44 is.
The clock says h=11 m=15
